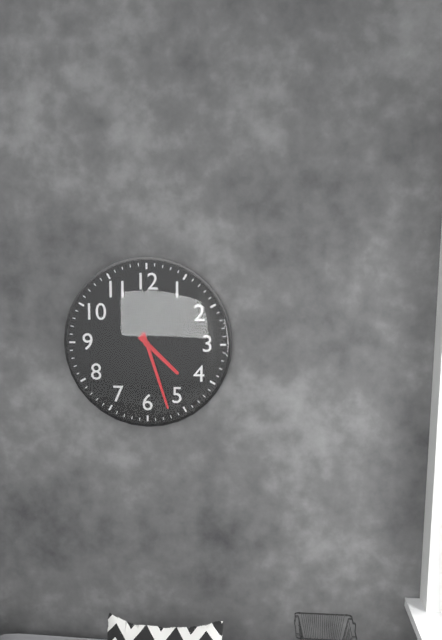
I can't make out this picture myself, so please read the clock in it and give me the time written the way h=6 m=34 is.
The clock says h=4 m=27
